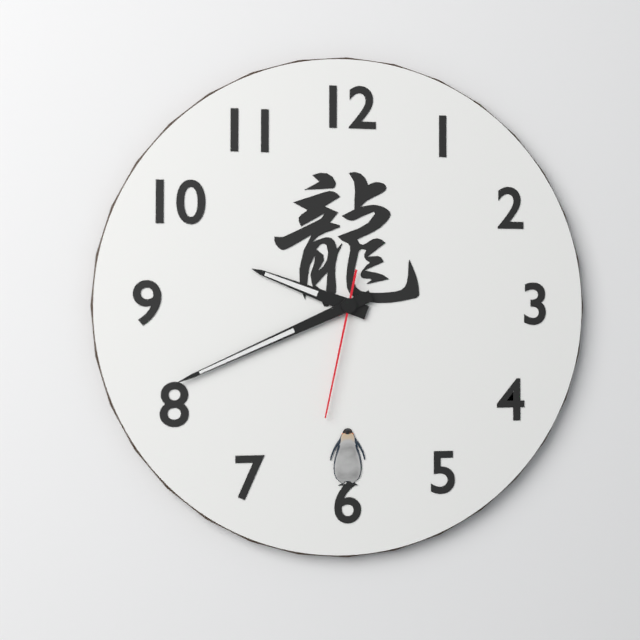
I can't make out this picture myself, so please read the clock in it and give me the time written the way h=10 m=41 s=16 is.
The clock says h=9 m=41 s=32
